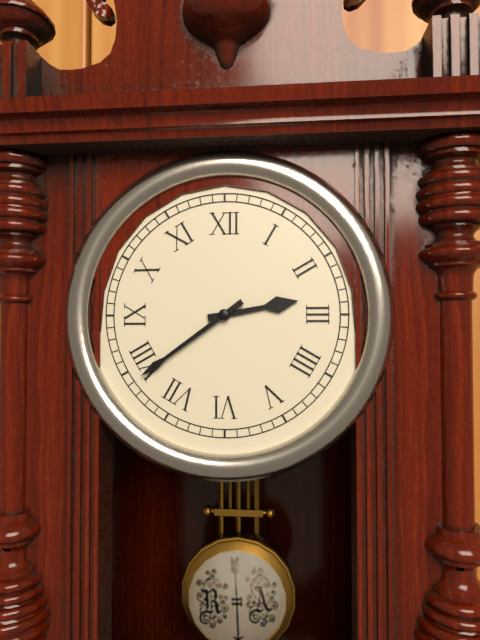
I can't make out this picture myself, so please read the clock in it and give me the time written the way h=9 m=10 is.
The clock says h=2 m=39
